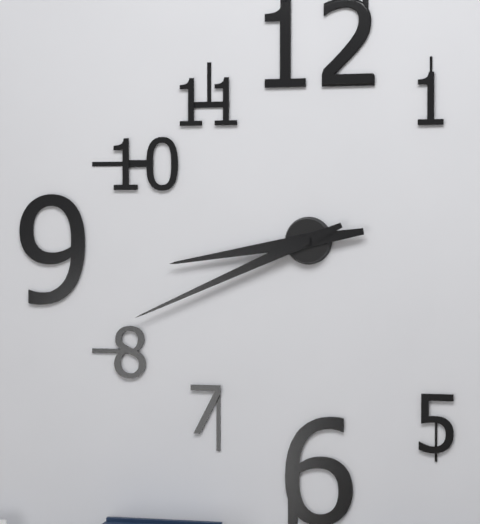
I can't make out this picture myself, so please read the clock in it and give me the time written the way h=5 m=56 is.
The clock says h=8 m=41
